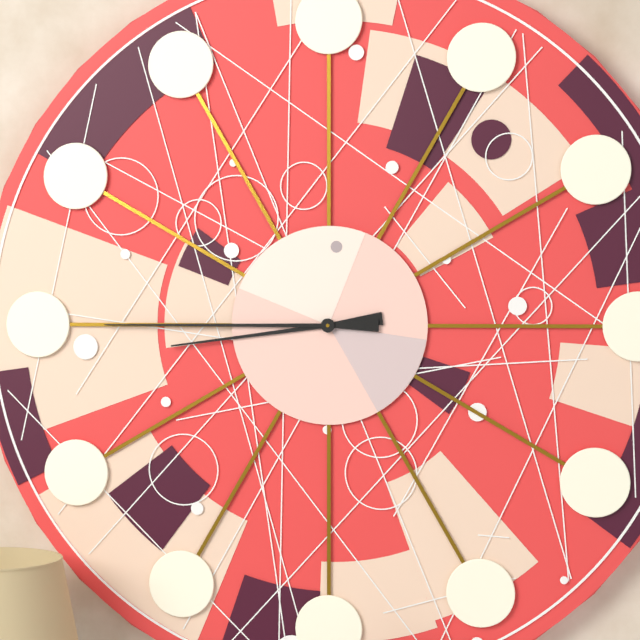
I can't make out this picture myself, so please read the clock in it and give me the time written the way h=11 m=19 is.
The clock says h=8 m=45
